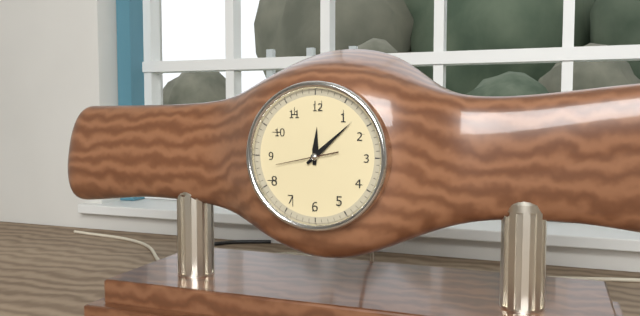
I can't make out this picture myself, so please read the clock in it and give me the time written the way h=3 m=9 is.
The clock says h=12 m=8
